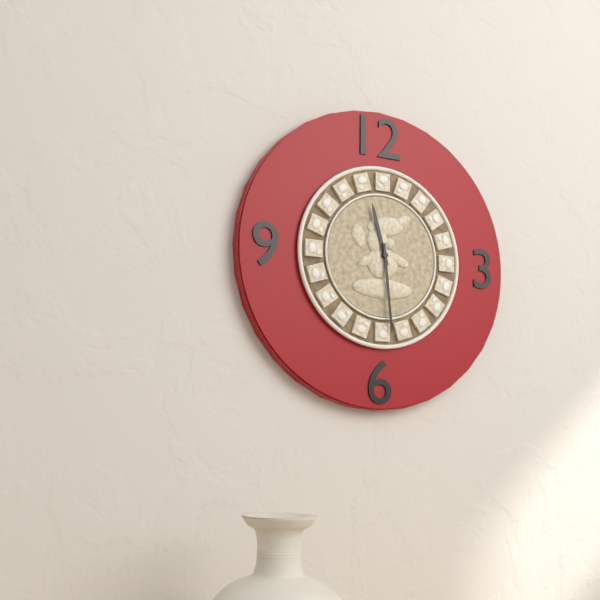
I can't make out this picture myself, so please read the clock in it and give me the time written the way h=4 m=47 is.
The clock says h=11 m=29
